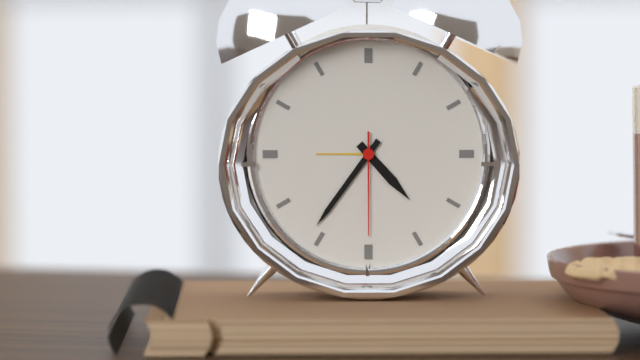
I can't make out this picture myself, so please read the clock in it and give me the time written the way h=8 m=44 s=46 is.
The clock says h=4 m=36 s=30
